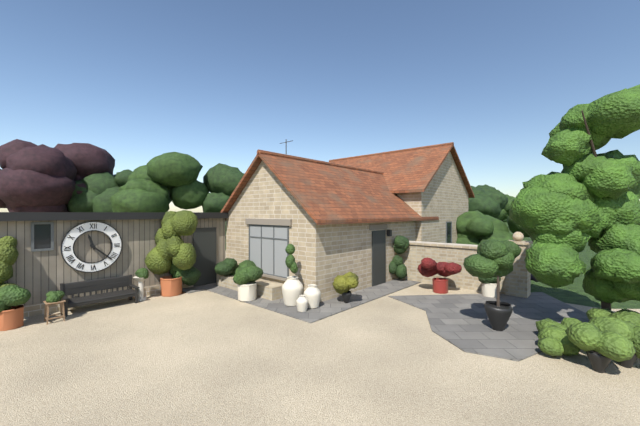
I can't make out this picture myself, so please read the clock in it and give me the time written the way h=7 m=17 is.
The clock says h=11 m=22
